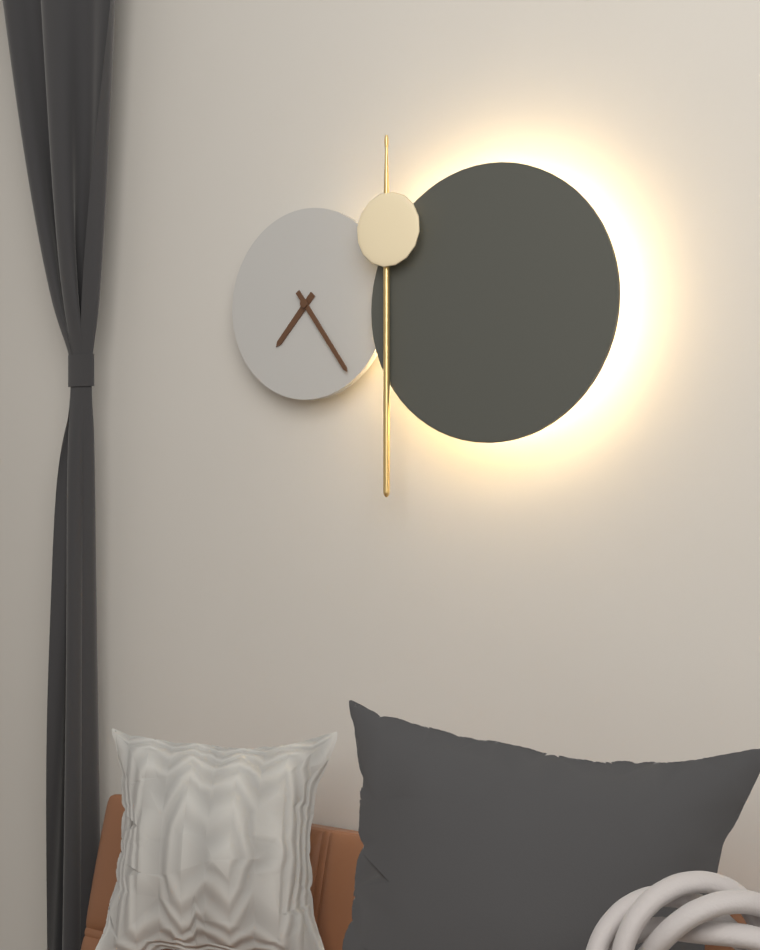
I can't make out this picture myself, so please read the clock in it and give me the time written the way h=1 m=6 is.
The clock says h=7 m=24
